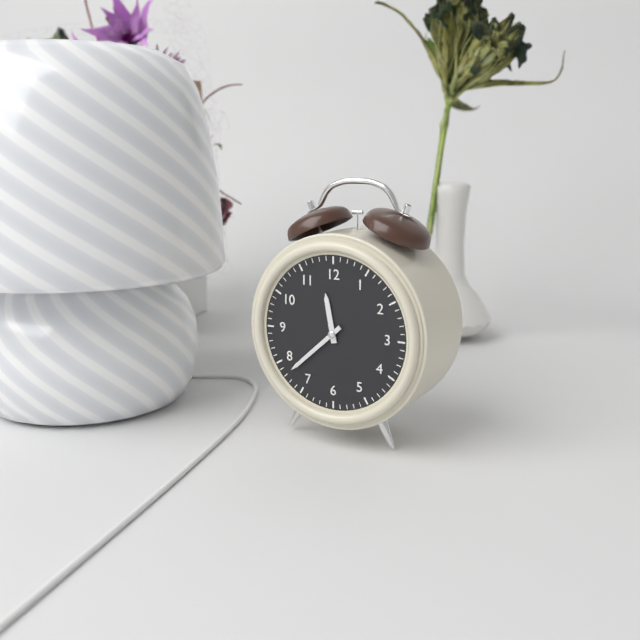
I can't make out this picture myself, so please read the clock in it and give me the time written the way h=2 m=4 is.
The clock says h=11 m=38
